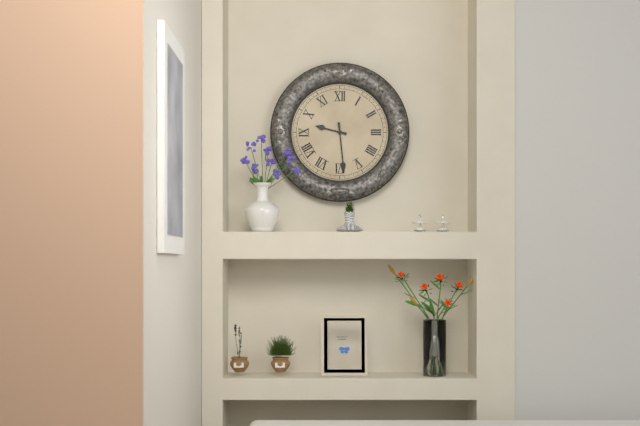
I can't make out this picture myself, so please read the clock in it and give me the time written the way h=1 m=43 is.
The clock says h=9 m=29
